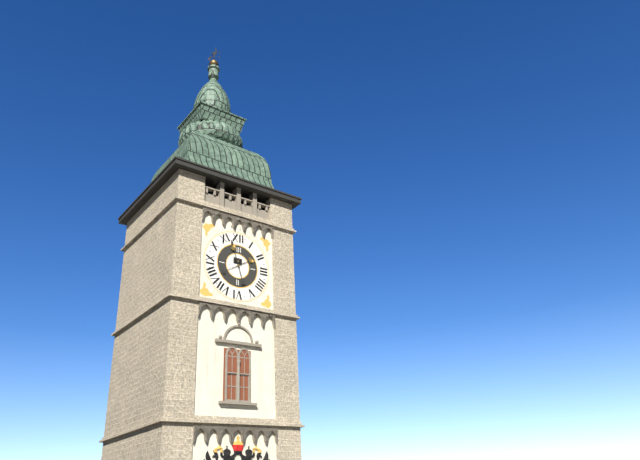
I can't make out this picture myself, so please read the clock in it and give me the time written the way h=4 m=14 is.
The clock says h=1 m=57
